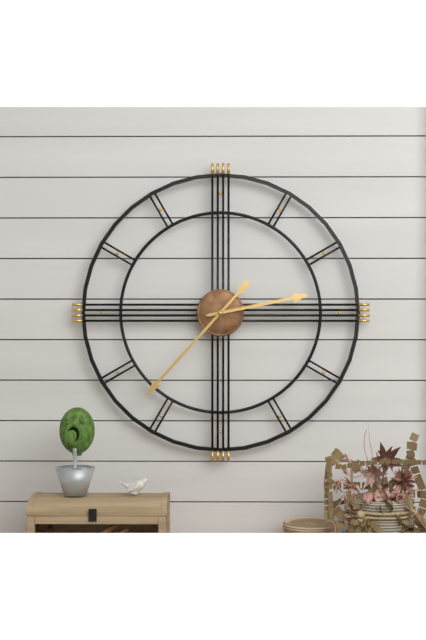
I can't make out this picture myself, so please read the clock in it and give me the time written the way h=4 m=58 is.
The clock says h=2 m=37
